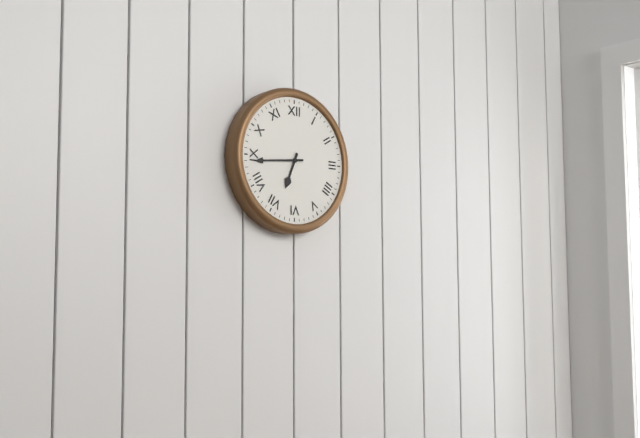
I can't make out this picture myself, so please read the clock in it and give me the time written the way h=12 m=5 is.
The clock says h=6 m=44
